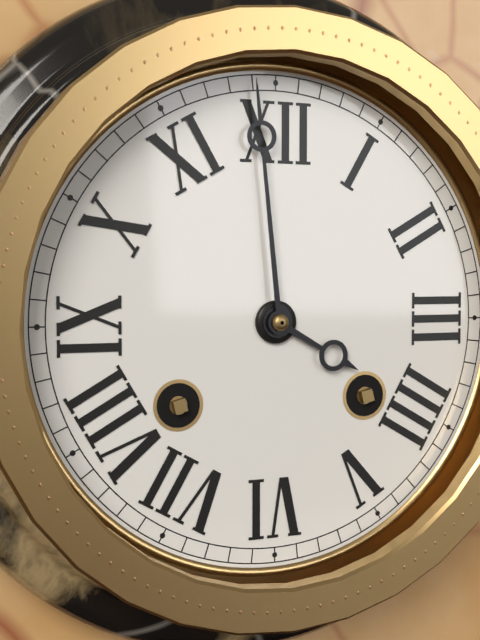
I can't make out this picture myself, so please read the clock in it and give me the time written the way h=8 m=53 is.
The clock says h=3 m=59
